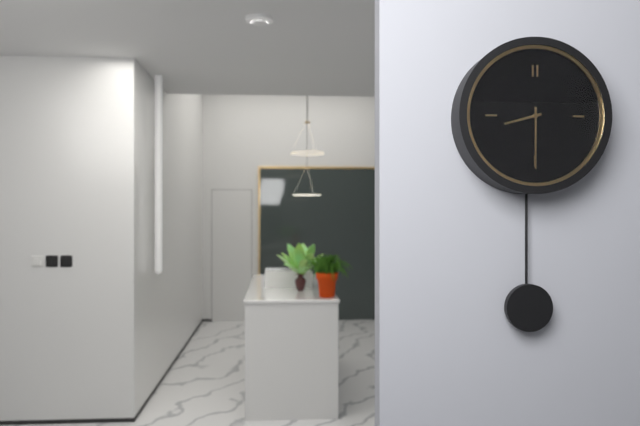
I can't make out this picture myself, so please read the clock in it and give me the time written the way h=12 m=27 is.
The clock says h=8 m=30
